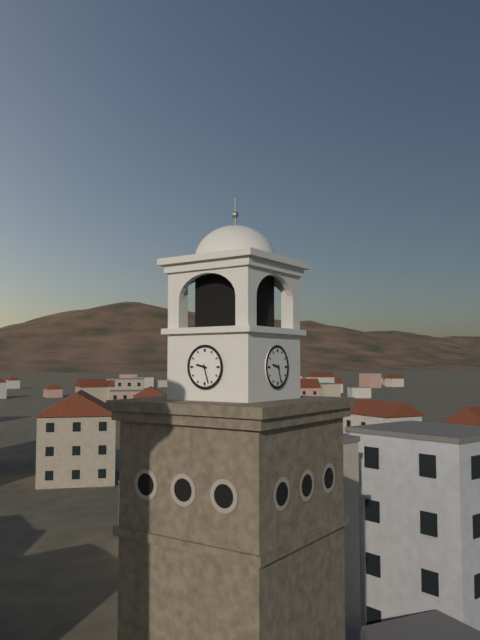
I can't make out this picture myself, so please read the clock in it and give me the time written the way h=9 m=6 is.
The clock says h=9 m=27
